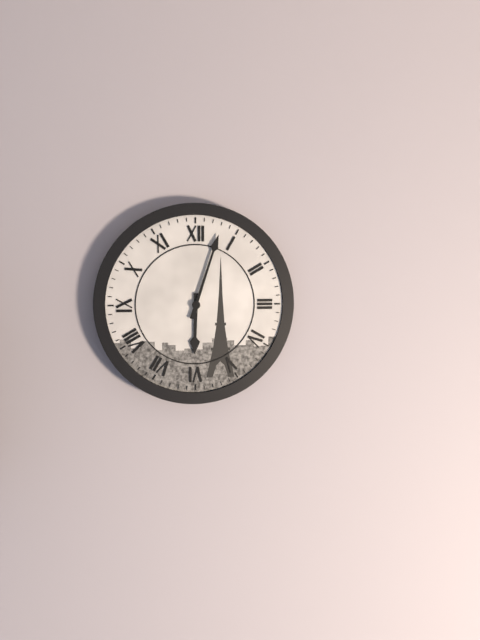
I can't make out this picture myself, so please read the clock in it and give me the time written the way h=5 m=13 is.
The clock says h=6 m=3
